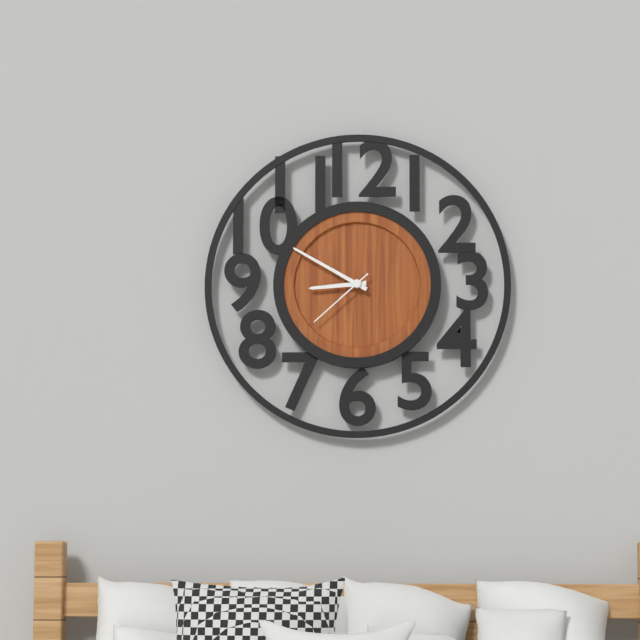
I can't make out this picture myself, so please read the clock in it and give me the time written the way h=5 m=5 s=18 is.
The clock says h=8 m=50 s=38
